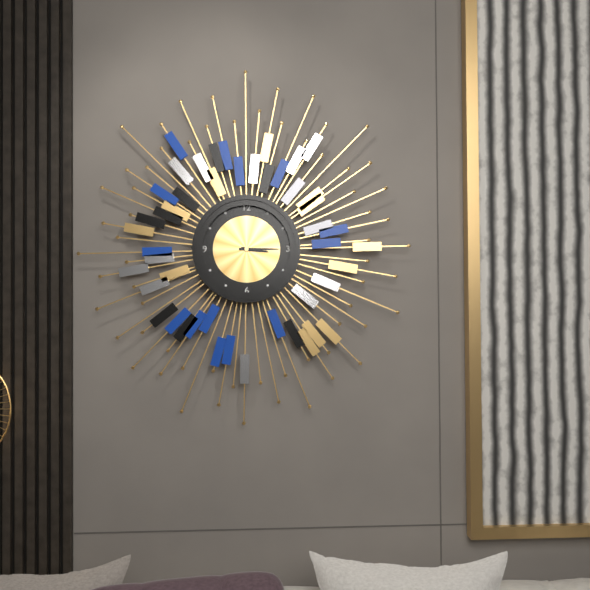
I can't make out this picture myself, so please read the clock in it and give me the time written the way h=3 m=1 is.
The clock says h=3 m=15
